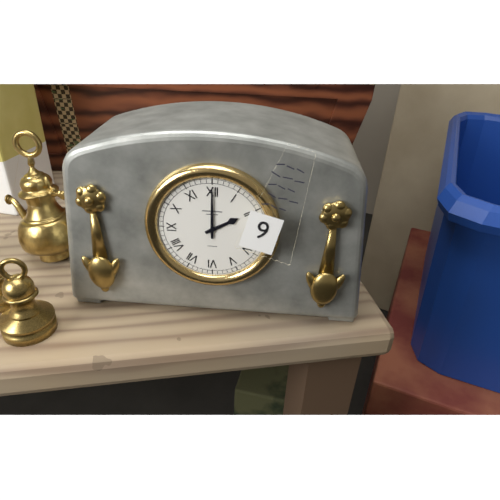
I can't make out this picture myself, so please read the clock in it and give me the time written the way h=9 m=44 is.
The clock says h=2 m=0
